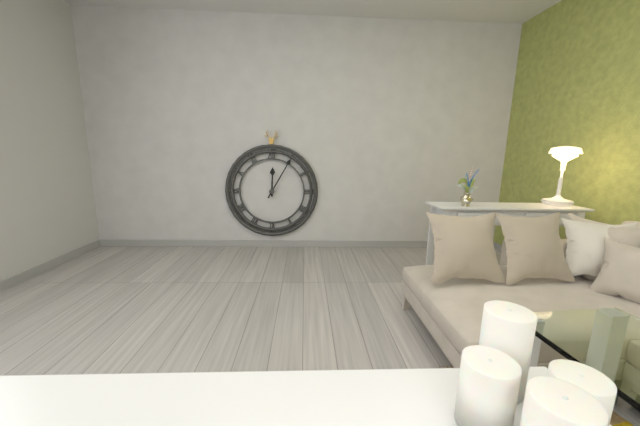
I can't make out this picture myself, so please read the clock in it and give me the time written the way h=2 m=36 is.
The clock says h=12 m=5
